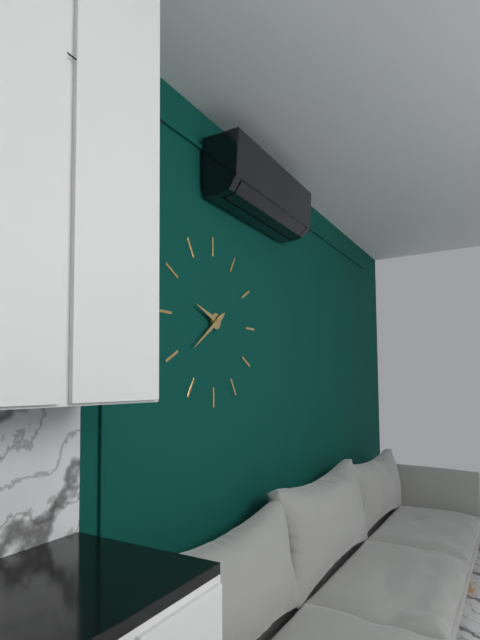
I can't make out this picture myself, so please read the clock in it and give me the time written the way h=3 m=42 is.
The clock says h=9 m=39
